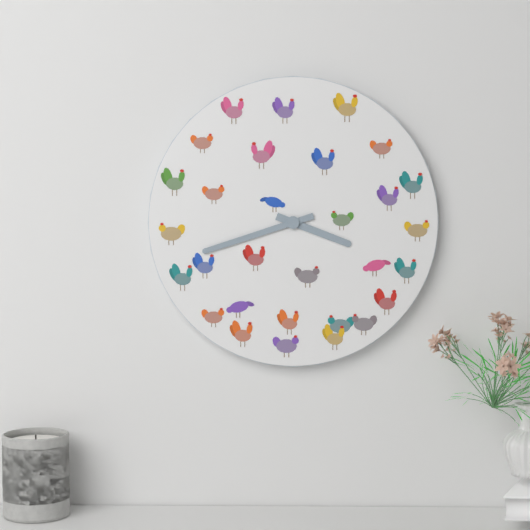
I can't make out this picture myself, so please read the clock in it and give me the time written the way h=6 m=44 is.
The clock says h=3 m=42
